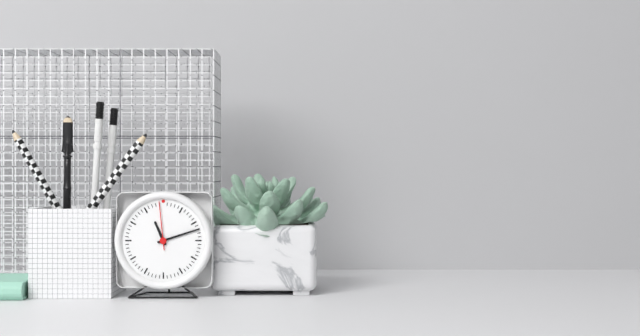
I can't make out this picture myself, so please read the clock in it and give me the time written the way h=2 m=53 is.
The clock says h=11 m=12
